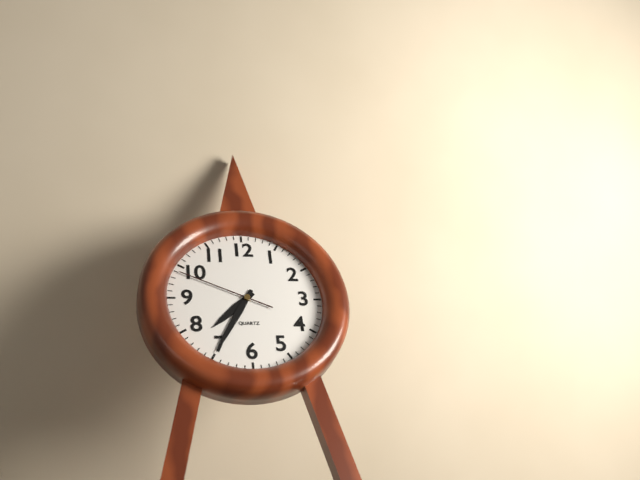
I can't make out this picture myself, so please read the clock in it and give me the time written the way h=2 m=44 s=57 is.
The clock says h=7 m=35 s=49
